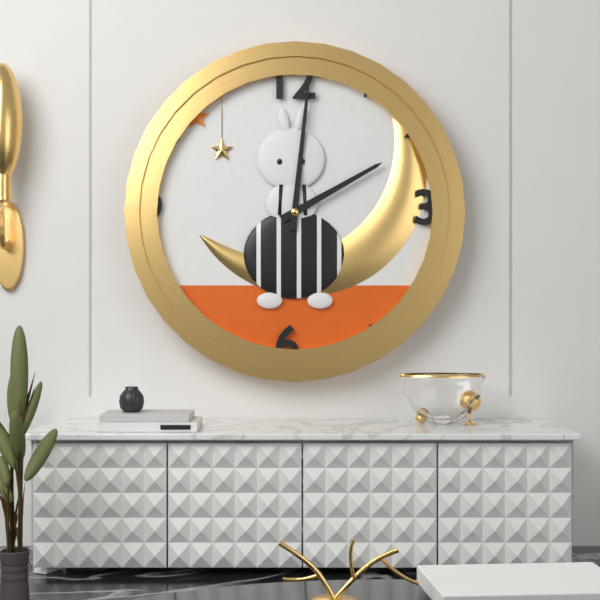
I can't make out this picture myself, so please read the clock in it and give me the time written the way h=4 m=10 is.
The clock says h=2 m=1
